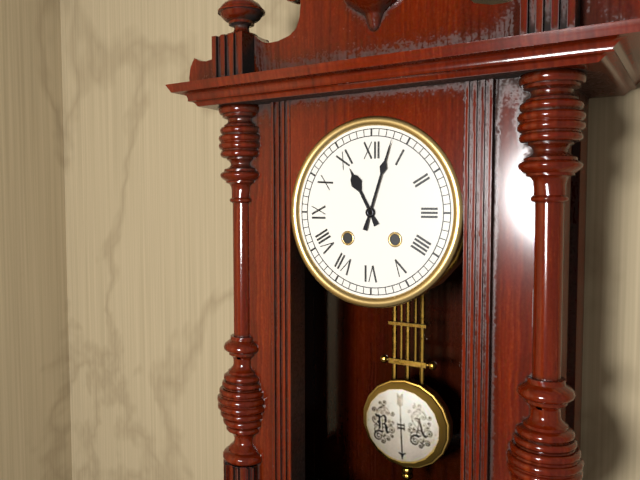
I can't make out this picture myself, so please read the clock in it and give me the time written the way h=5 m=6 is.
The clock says h=11 m=3
